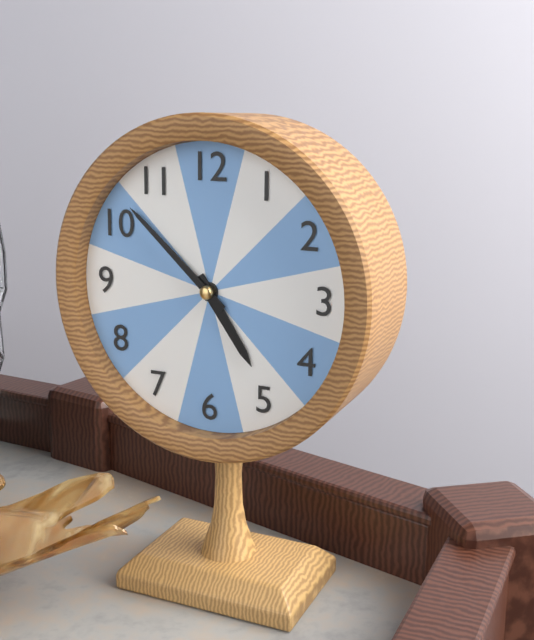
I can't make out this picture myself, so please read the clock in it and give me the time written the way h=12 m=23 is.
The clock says h=4 m=52
